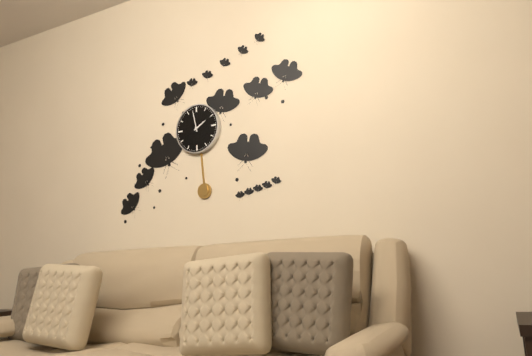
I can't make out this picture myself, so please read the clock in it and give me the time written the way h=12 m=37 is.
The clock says h=1 m=58
